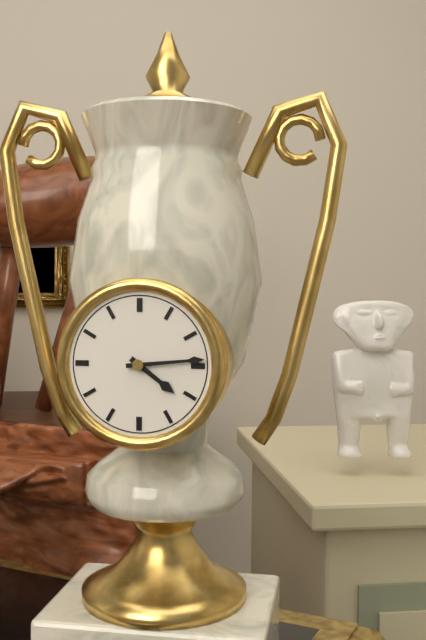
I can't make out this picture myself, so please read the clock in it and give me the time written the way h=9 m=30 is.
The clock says h=4 m=14
